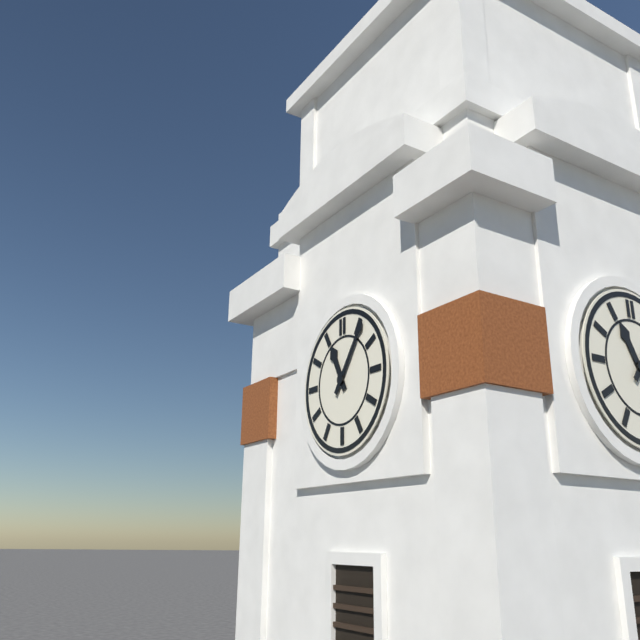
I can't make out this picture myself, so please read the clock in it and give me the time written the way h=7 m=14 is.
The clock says h=11 m=6
